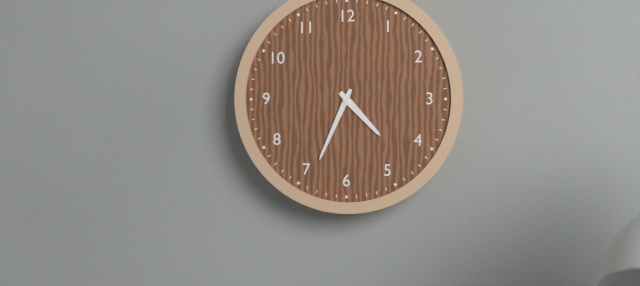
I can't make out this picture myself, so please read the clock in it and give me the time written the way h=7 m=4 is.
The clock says h=4 m=34
